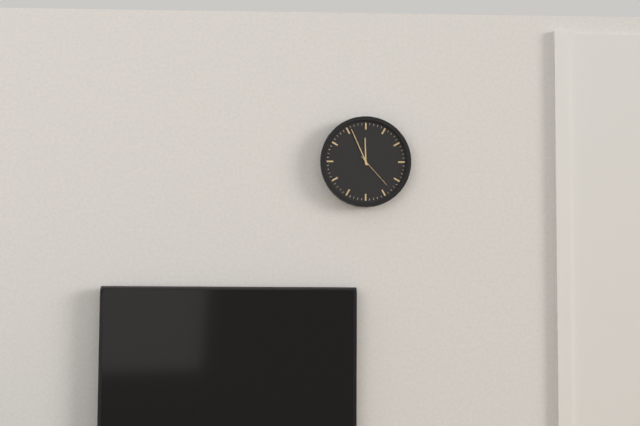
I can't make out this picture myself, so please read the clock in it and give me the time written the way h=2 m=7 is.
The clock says h=11 m=56
